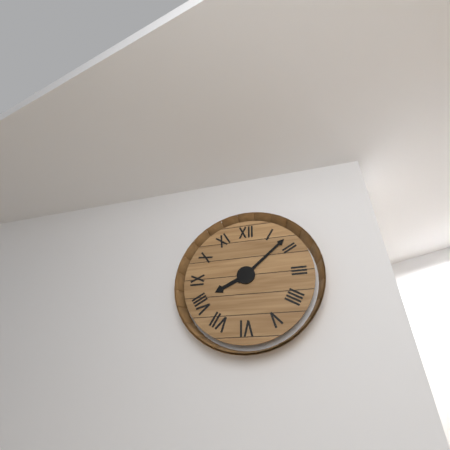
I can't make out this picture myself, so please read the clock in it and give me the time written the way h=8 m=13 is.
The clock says h=8 m=8
